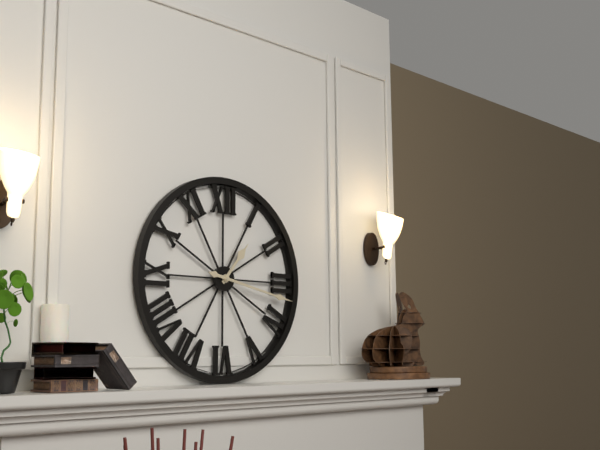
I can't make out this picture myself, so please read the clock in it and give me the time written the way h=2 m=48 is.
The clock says h=1 m=17
